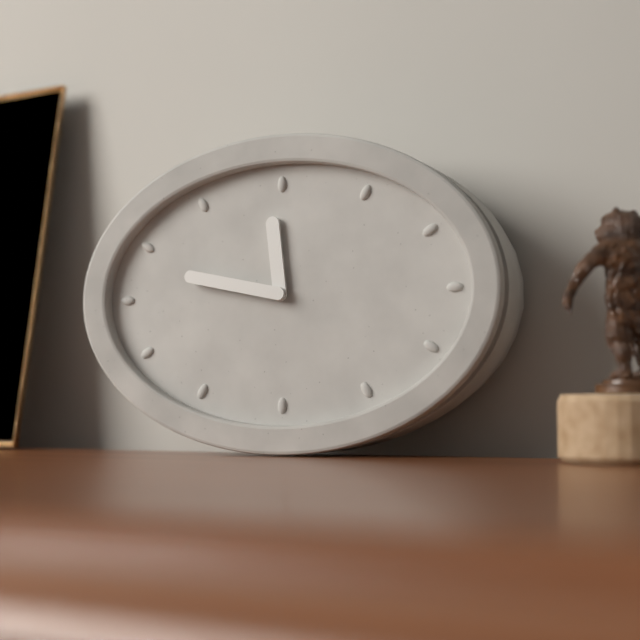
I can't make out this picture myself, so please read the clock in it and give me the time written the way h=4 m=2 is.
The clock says h=11 m=47
